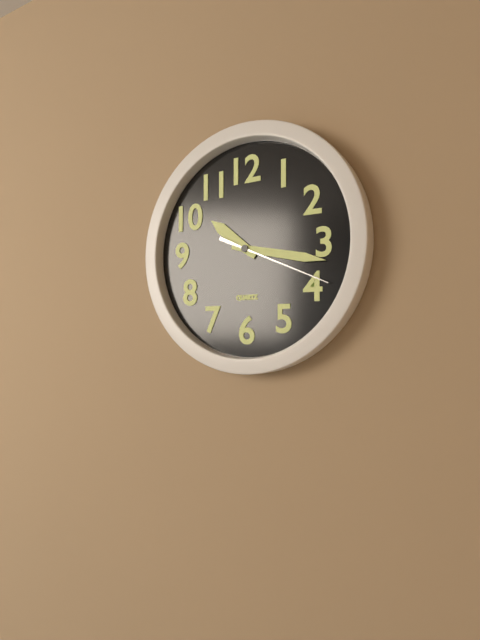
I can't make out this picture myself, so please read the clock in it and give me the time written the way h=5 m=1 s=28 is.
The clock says h=10 m=17 s=19
